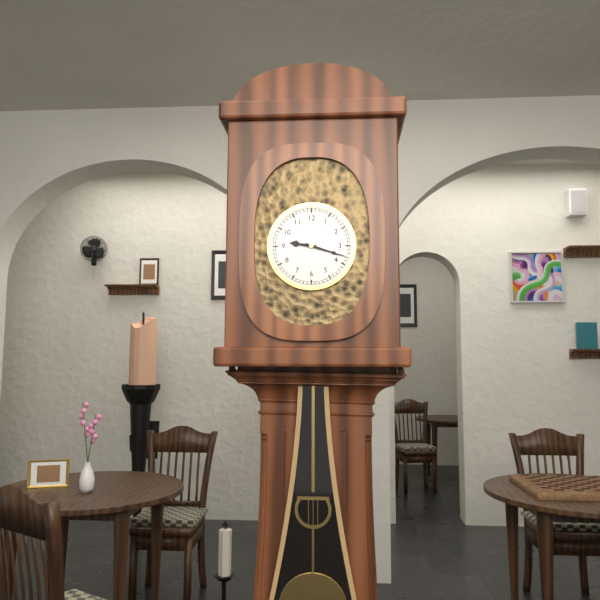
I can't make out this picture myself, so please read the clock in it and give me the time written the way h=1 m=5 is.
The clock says h=9 m=18
